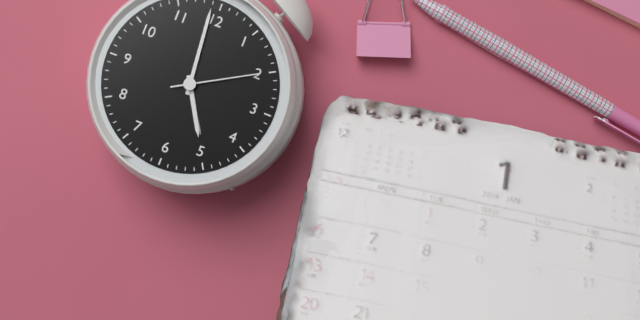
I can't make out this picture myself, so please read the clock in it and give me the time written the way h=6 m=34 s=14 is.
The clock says h=4 m=59 s=10
